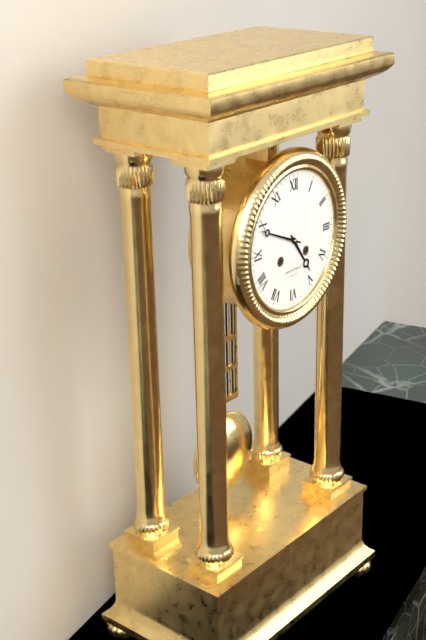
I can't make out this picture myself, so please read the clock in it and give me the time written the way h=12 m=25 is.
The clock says h=4 m=49
